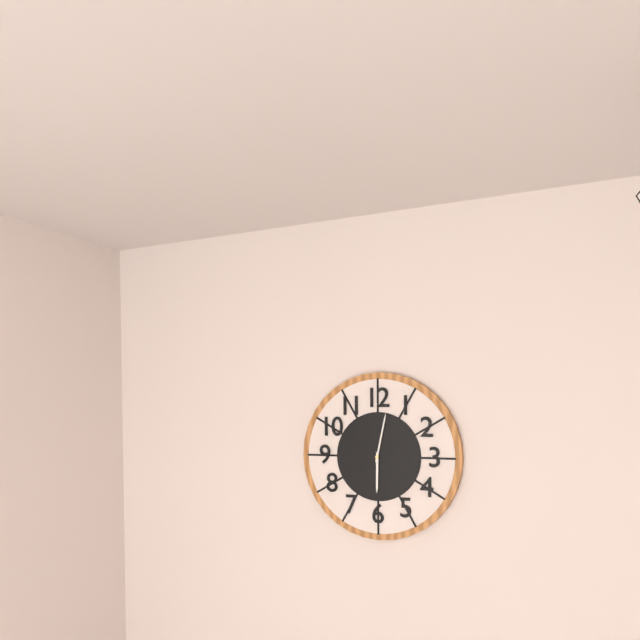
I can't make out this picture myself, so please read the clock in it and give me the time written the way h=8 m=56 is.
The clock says h=6 m=2
